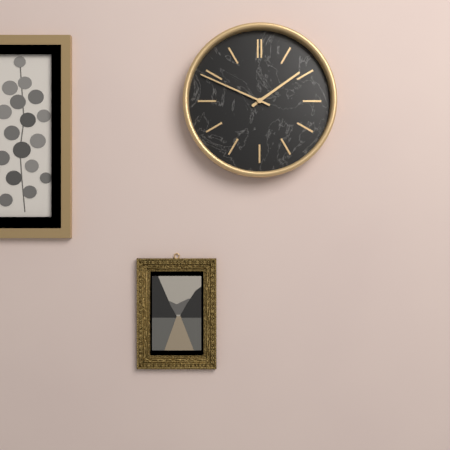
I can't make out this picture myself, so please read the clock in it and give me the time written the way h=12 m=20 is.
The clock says h=1 m=49
